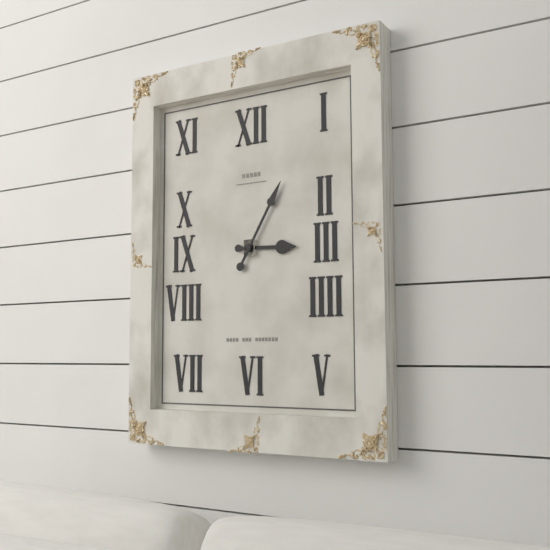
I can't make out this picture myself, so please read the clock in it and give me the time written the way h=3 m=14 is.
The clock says h=3 m=5
